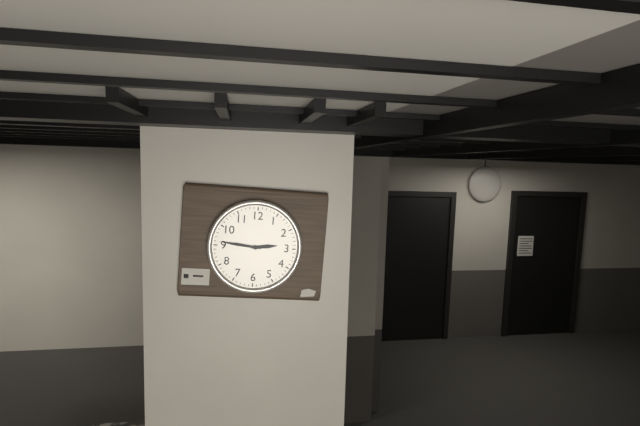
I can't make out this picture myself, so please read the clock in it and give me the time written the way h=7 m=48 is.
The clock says h=2 m=46
